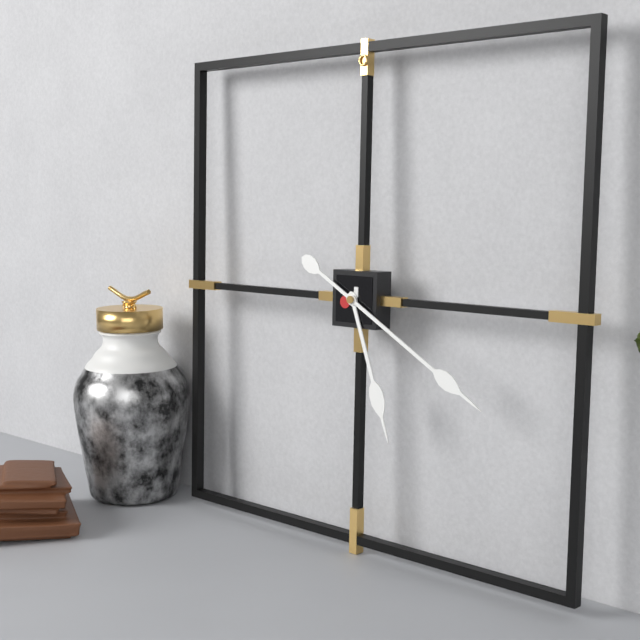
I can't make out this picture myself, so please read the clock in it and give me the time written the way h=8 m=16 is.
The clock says h=5 m=20
